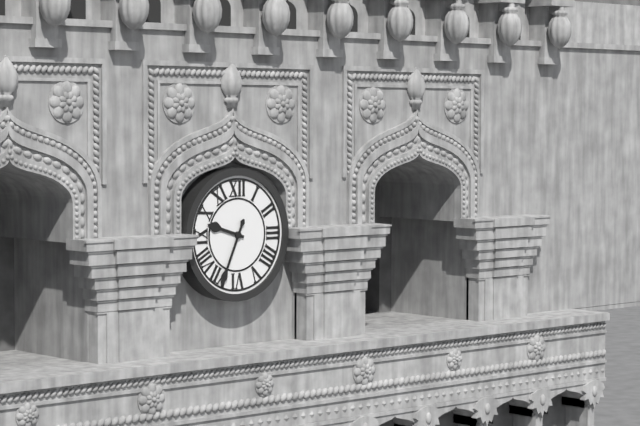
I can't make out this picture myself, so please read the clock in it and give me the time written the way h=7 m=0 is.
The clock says h=9 m=34
